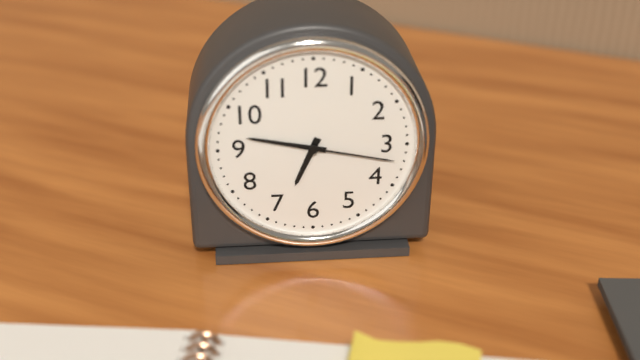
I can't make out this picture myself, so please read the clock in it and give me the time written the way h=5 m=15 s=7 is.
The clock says h=6 m=47 s=17
